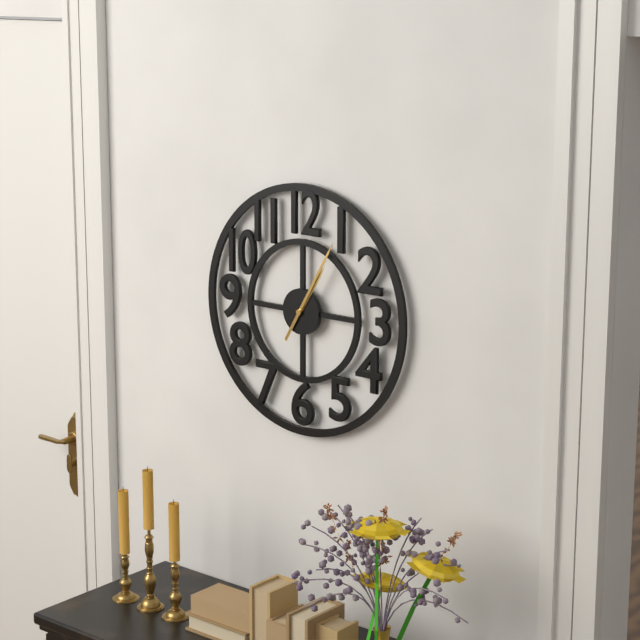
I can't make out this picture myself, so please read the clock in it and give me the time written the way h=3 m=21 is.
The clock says h=1 m=5
